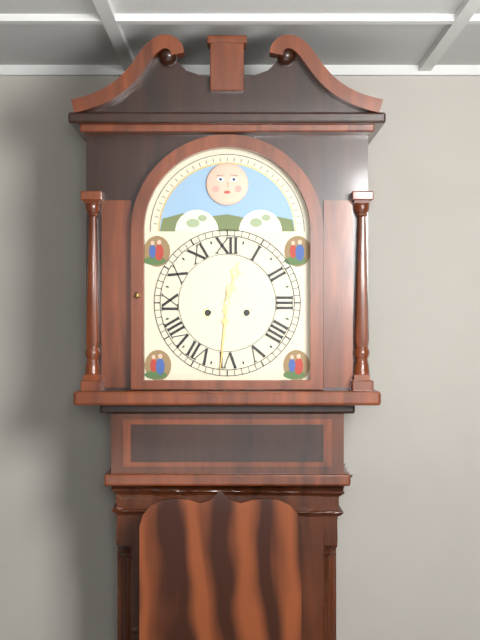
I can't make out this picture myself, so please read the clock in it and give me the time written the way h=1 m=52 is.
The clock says h=12 m=31
